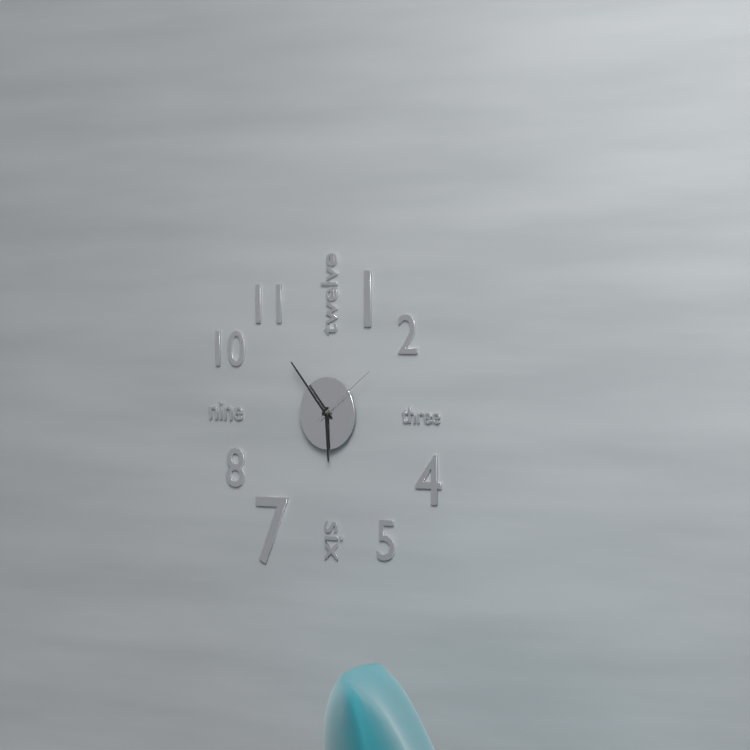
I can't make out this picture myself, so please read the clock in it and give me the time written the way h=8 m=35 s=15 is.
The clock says h=5 m=53 s=9
